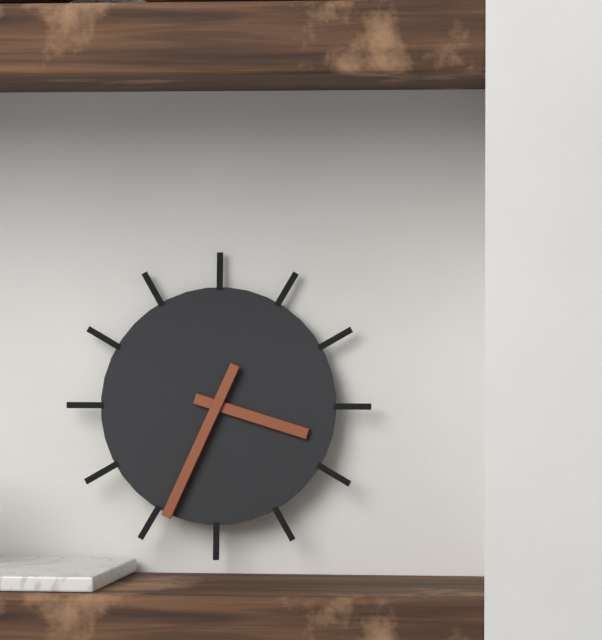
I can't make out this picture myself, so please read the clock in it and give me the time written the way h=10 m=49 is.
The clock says h=3 m=34
